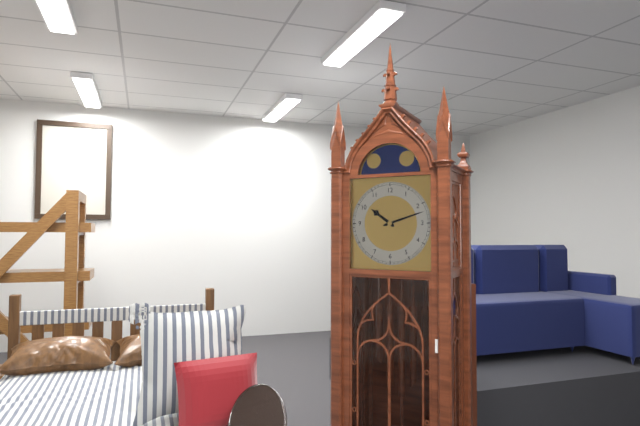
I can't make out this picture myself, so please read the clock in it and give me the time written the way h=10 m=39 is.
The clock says h=10 m=12
